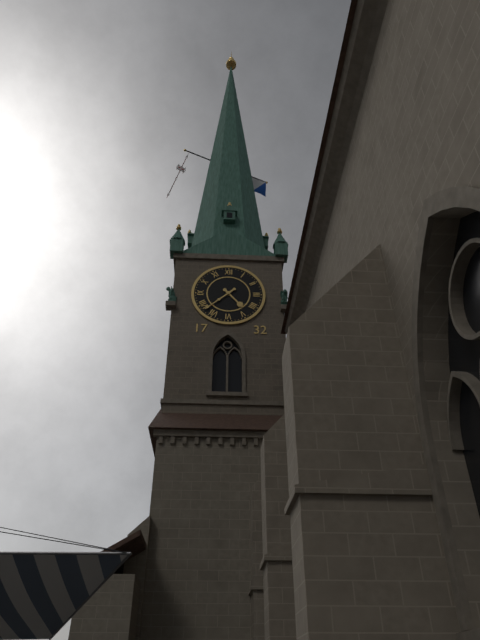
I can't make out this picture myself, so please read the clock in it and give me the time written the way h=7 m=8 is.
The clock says h=4 m=38
